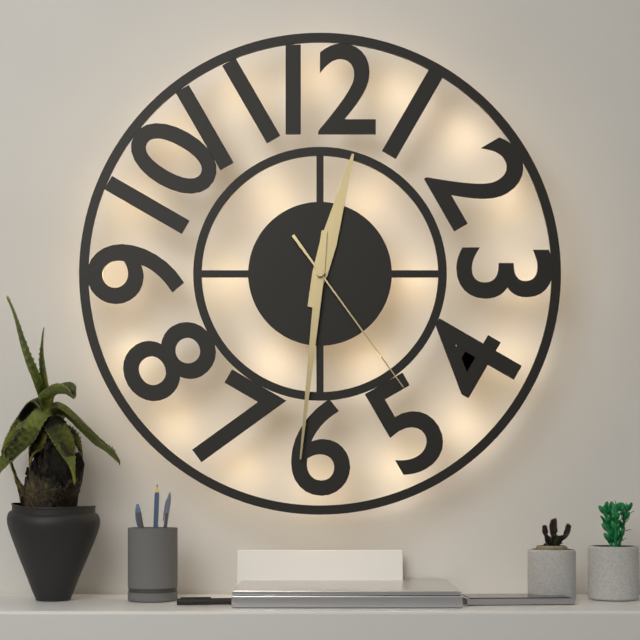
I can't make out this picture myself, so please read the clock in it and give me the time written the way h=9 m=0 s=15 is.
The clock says h=12 m=31 s=24
